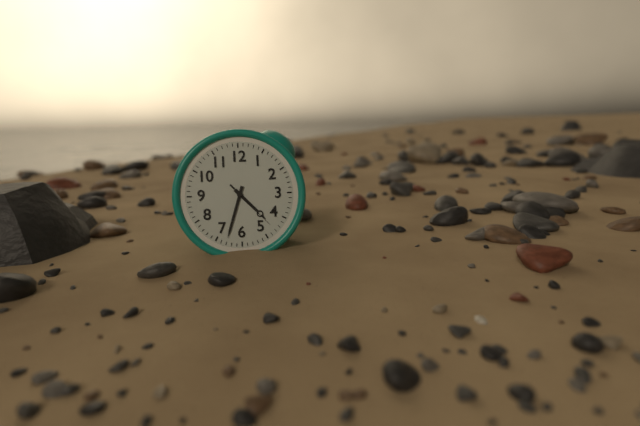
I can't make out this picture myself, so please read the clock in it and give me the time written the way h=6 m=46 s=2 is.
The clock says h=4 m=33 s=23
